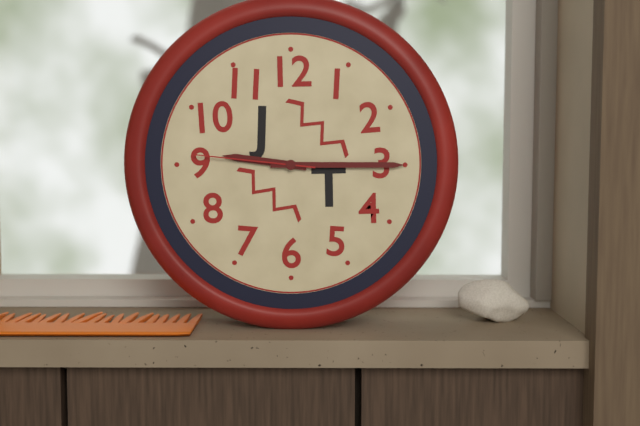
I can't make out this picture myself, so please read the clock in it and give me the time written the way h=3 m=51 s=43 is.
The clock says h=9 m=15 s=46
